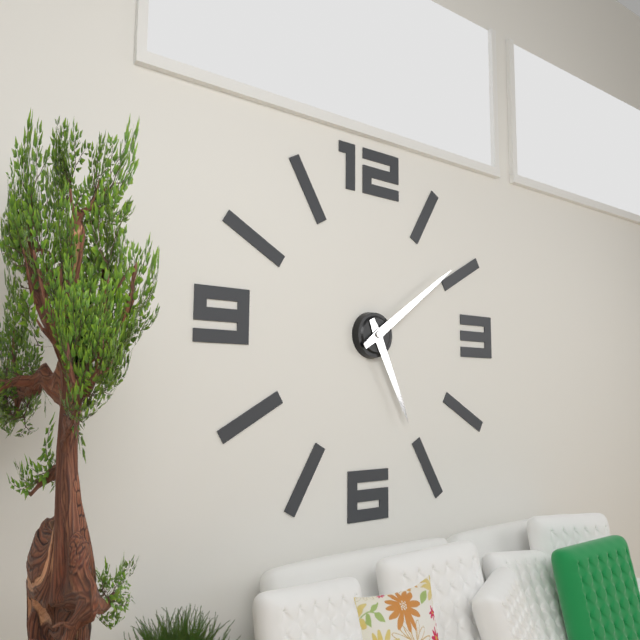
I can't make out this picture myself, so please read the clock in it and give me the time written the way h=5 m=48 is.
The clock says h=5 m=9
